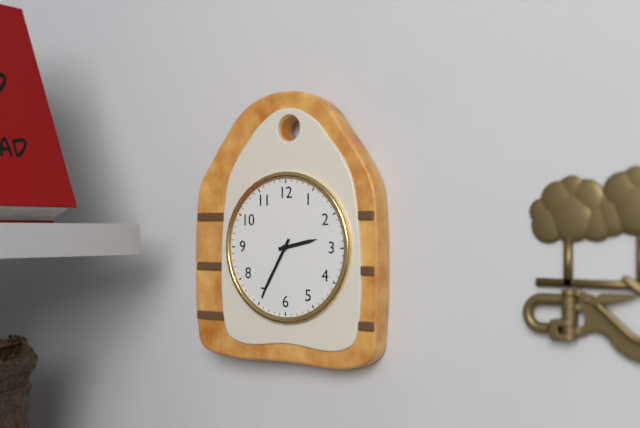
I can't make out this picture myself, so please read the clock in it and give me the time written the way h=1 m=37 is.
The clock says h=2 m=35
